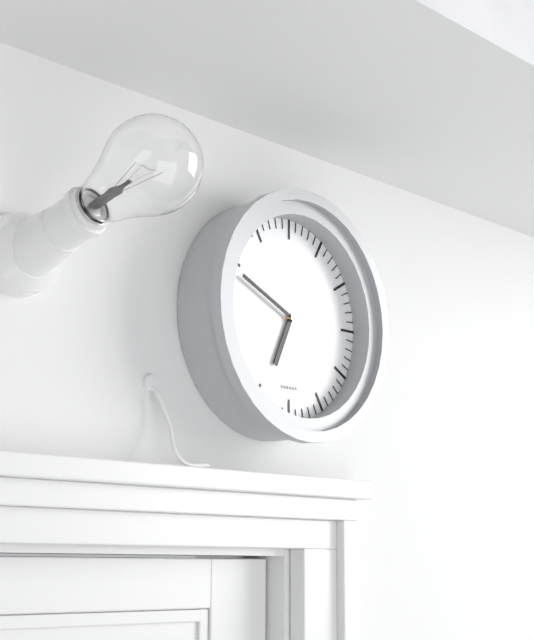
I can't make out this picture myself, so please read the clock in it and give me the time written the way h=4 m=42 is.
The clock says h=6 m=49
